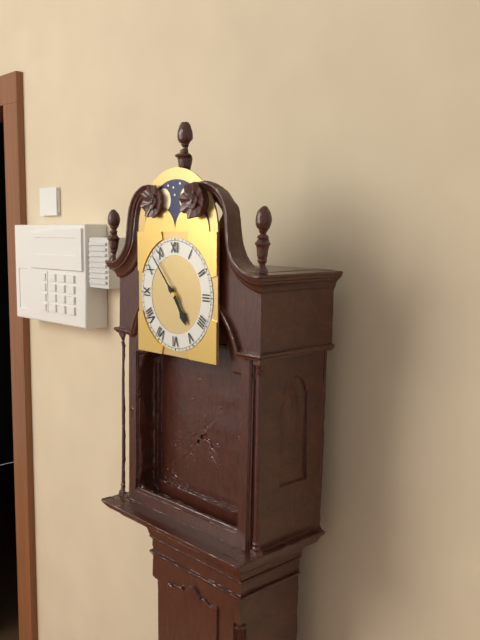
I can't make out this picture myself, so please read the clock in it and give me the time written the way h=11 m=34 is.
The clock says h=4 m=53
